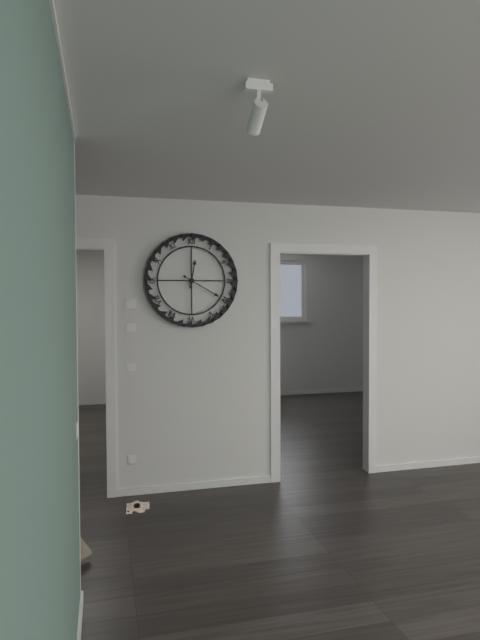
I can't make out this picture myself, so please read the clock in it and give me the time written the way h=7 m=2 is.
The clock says h=12 m=20
